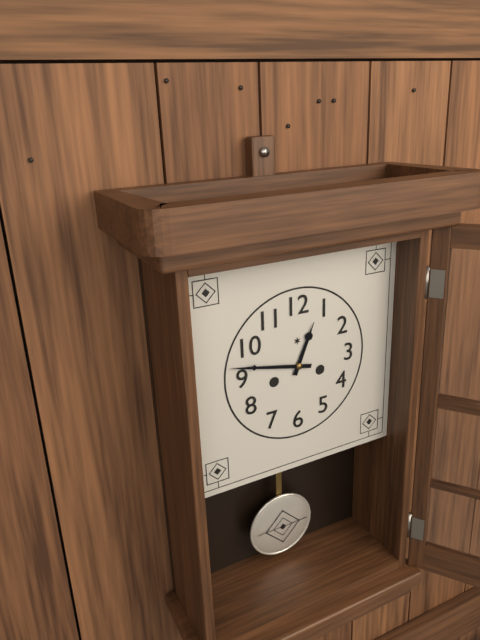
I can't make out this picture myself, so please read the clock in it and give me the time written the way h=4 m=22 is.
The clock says h=12 m=47
